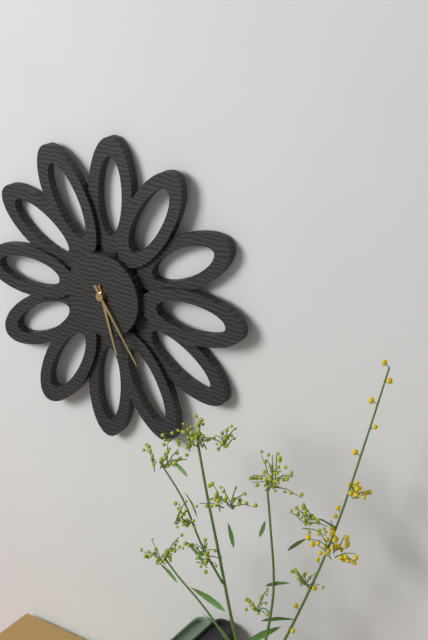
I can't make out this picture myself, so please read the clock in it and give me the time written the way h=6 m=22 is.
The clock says h=5 m=24
